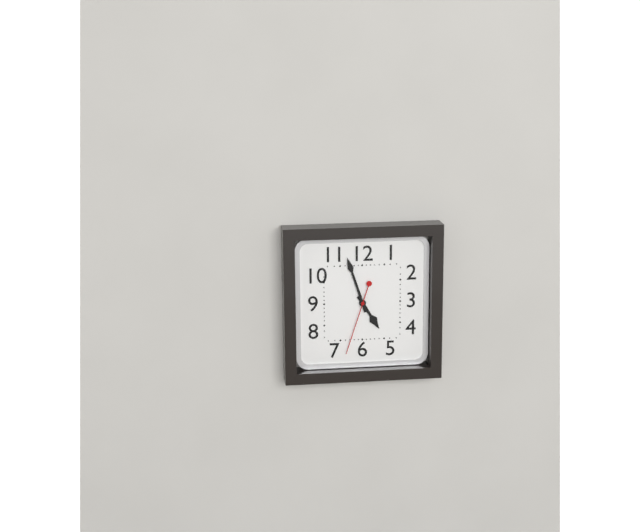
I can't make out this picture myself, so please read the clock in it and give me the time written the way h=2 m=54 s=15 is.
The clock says h=4 m=57 s=33
